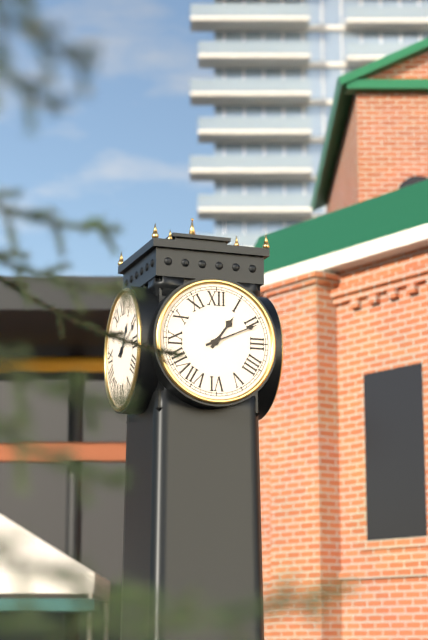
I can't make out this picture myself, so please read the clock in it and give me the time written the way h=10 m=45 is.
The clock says h=1 m=11
